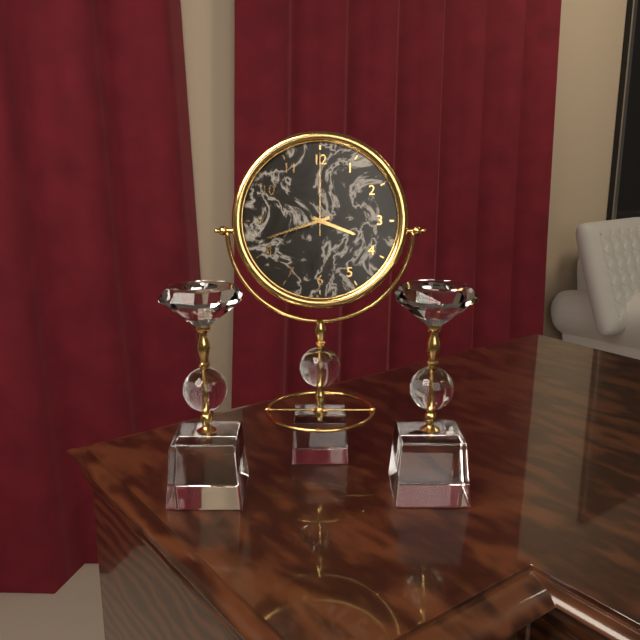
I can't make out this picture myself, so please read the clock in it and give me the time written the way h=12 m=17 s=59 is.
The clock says h=3 m=42 s=0
